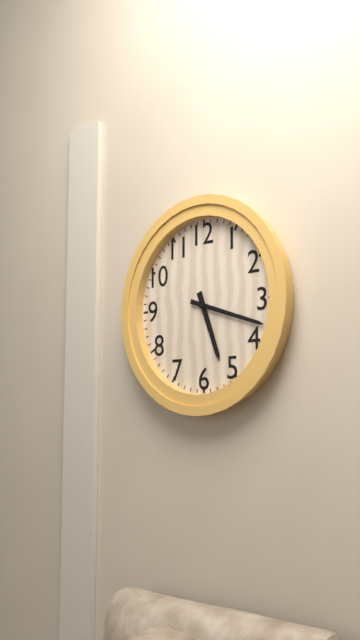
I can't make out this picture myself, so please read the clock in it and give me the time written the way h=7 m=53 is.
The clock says h=5 m=18
